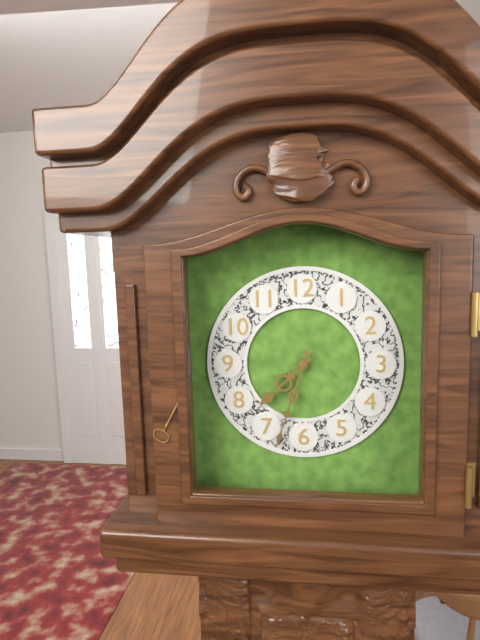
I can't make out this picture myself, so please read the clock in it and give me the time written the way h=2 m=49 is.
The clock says h=7 m=33
